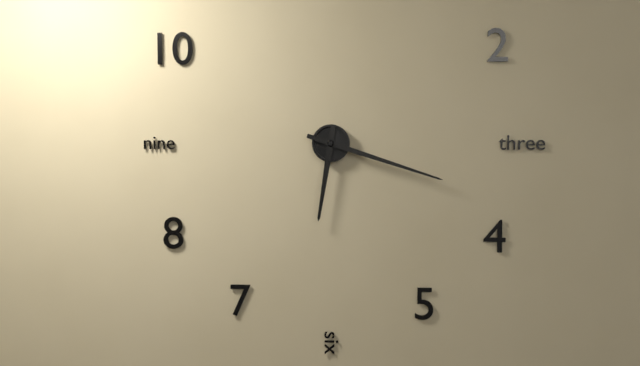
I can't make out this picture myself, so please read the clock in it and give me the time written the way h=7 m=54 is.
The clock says h=6 m=18
